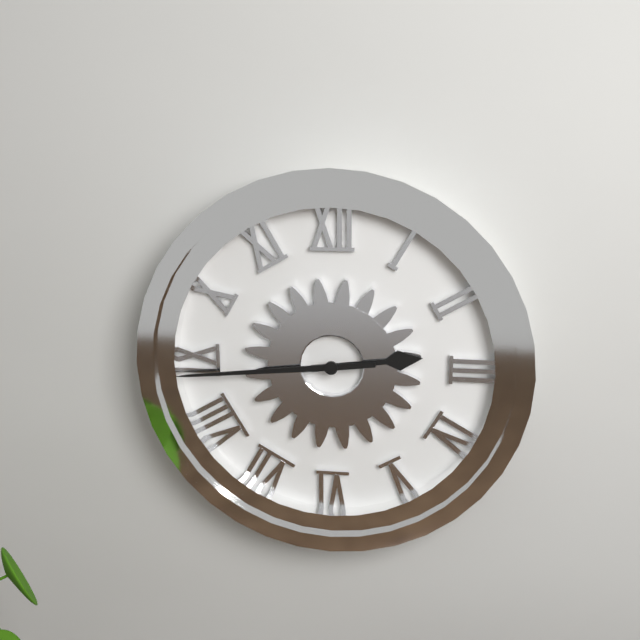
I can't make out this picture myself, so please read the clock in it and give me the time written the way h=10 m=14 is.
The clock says h=2 m=44
